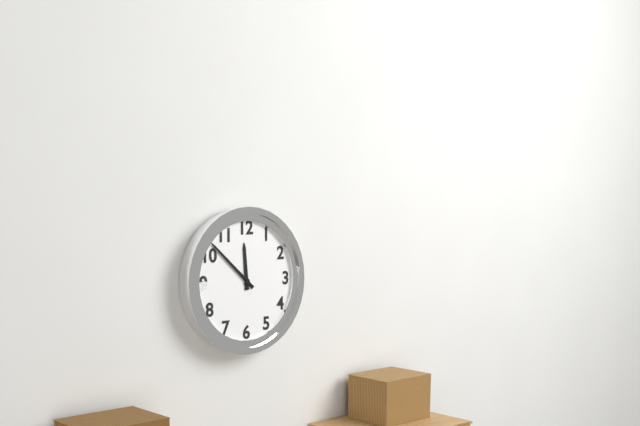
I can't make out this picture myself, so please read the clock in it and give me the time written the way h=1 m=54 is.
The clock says h=11 m=52
